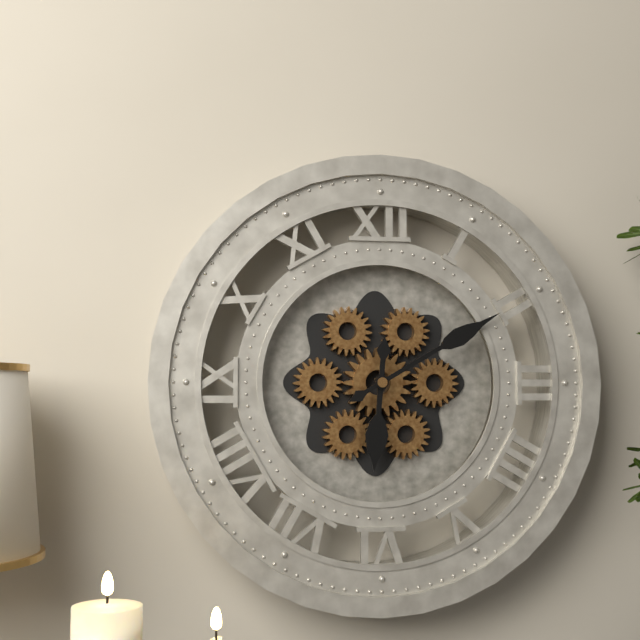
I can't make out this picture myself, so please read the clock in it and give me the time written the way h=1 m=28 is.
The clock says h=6 m=10
